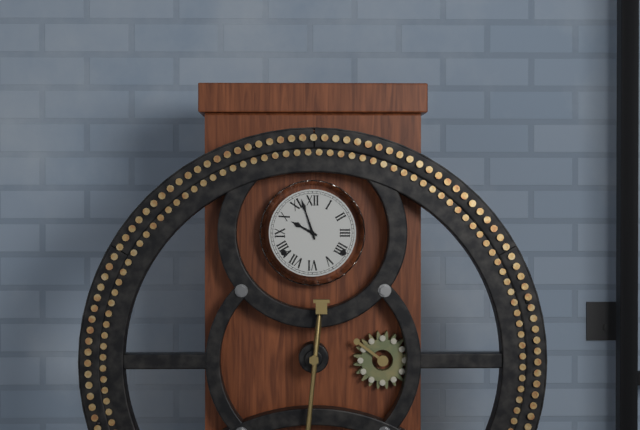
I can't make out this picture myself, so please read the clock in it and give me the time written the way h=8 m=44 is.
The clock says h=9 m=57
